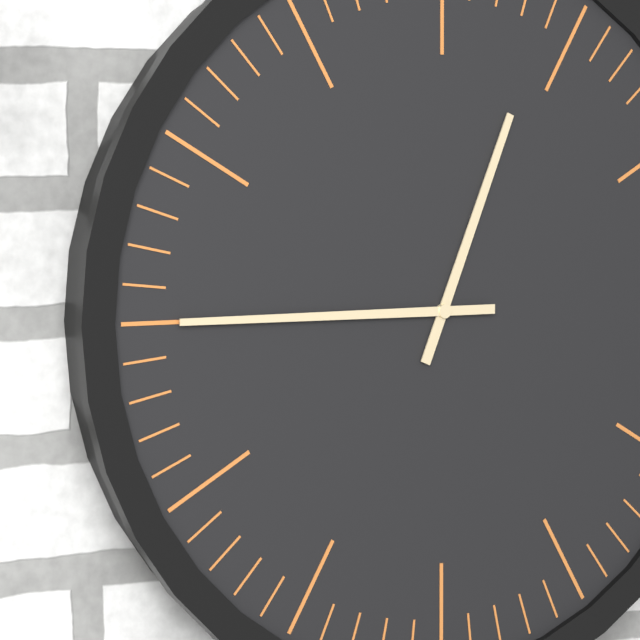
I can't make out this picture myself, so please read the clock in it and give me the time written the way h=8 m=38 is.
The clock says h=12 m=45
